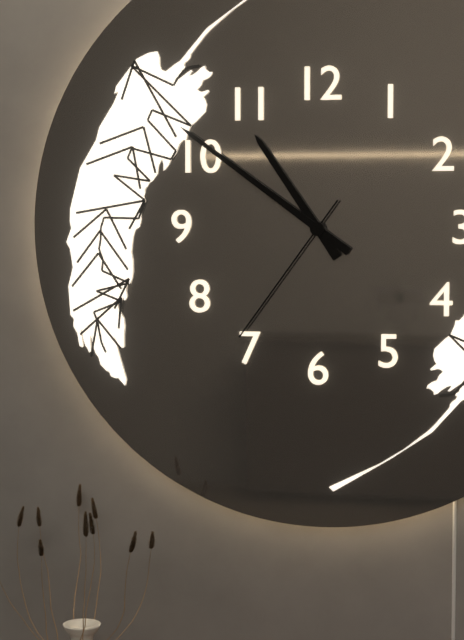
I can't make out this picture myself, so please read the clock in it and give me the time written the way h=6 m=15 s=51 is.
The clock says h=10 m=51 s=36
